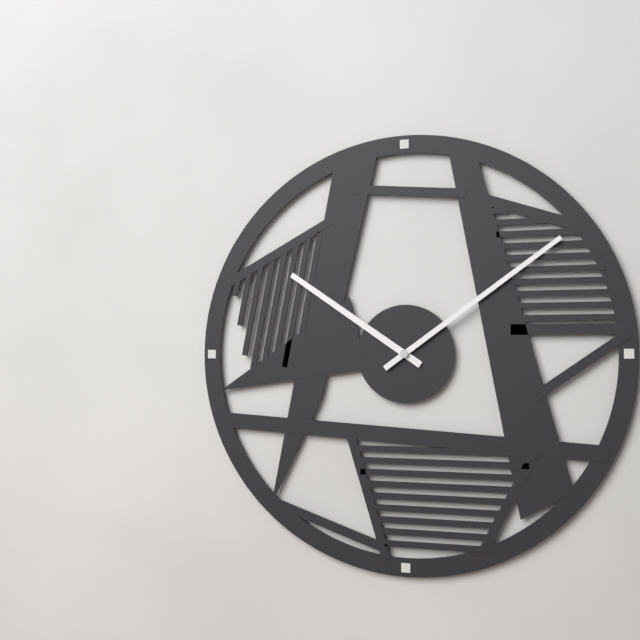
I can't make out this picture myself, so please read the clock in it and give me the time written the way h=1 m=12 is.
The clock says h=10 m=9
